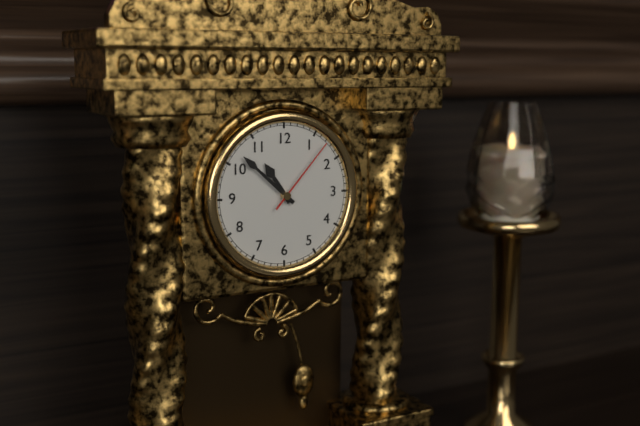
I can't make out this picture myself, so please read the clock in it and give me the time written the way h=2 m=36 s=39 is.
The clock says h=10 m=52 s=7
